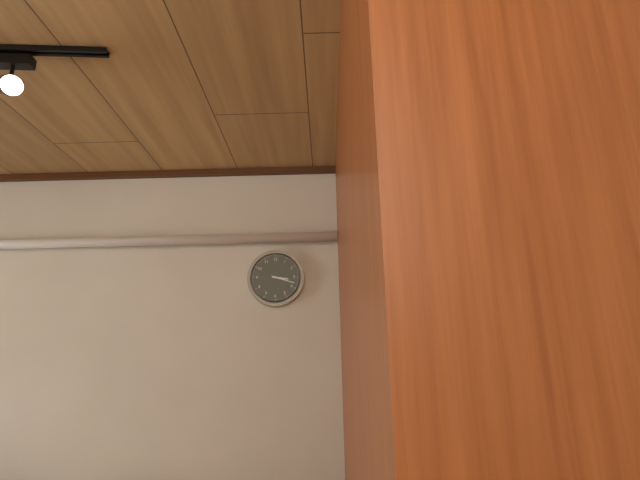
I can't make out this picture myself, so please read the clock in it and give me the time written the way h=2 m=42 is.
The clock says h=3 m=18
